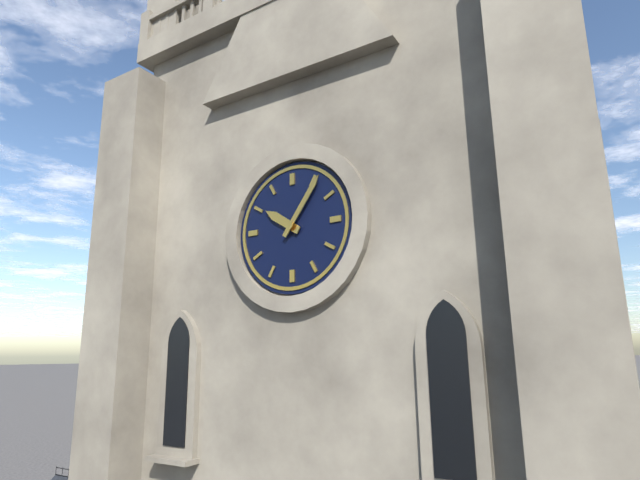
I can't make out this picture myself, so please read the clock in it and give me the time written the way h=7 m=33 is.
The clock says h=10 m=6
